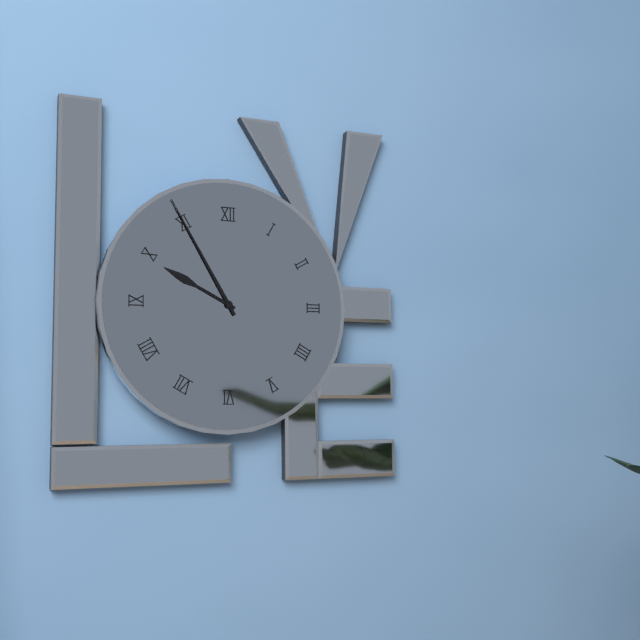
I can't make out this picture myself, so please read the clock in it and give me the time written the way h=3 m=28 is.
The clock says h=9 m=55
